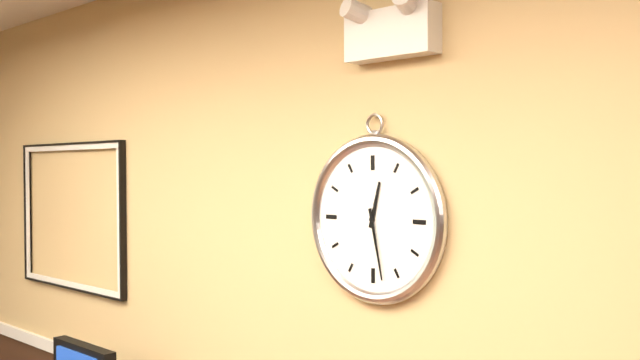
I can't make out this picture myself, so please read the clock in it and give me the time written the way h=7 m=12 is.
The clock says h=12 m=28
